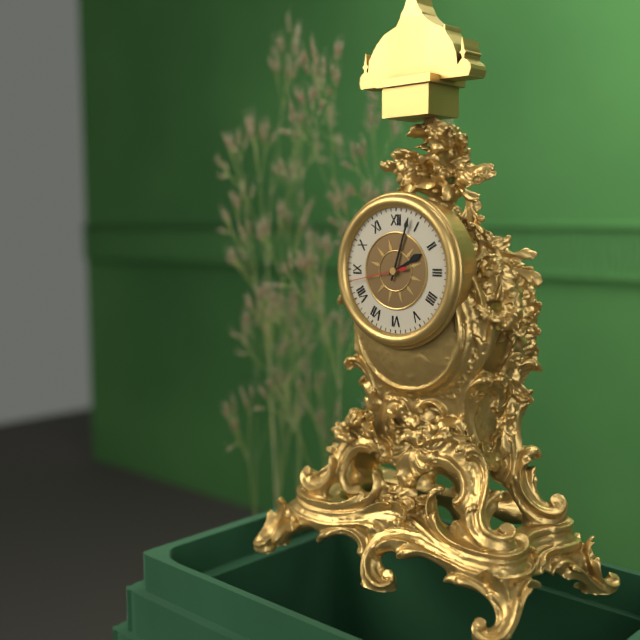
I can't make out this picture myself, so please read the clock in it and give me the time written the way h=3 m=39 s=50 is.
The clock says h=2 m=3 s=43
